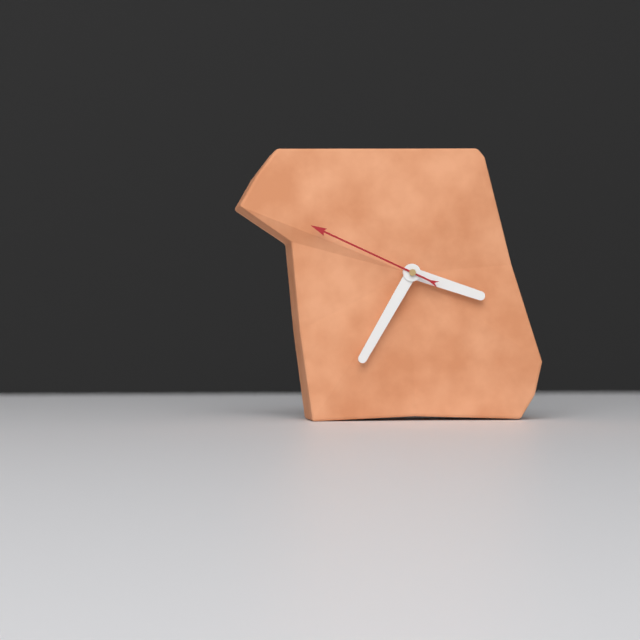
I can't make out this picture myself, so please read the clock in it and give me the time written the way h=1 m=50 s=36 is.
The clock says h=3 m=35 s=49
